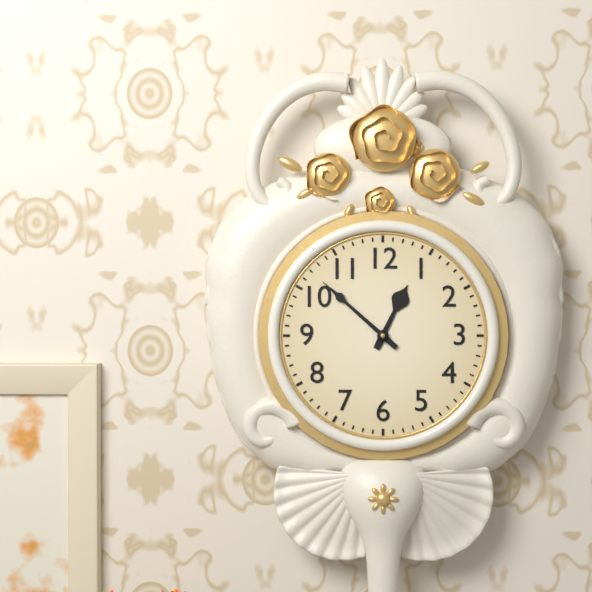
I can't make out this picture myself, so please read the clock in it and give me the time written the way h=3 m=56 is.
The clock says h=12 m=52
